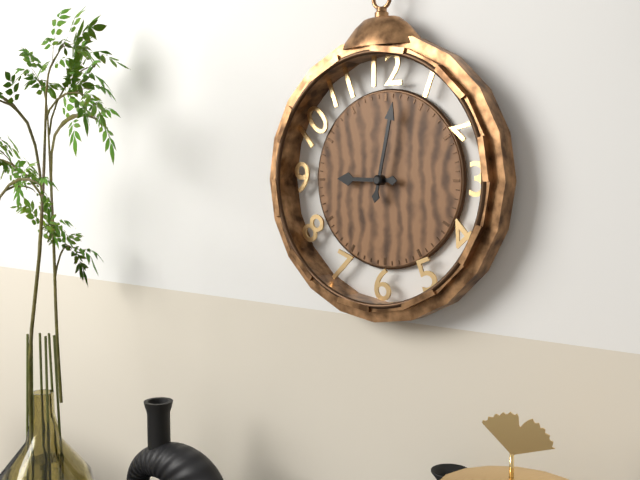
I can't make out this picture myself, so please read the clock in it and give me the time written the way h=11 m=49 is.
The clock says h=9 m=2
